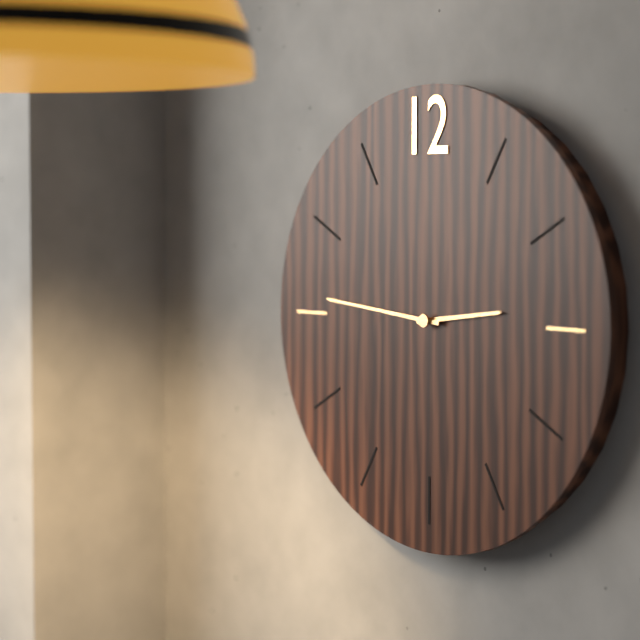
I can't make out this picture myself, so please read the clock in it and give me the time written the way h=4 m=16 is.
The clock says h=2 m=46
